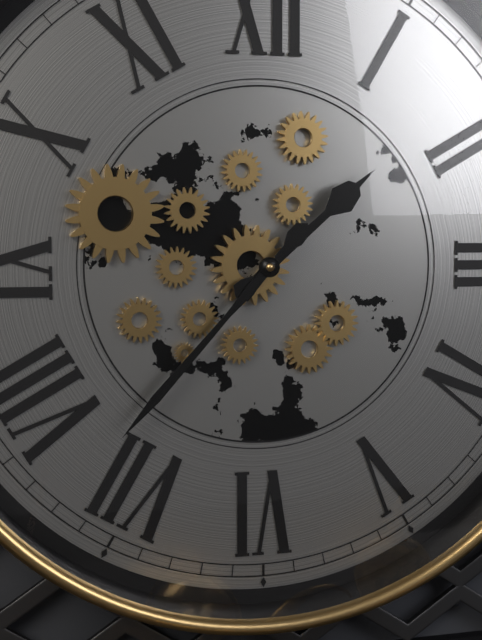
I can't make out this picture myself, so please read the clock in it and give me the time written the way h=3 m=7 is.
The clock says h=1 m=37
